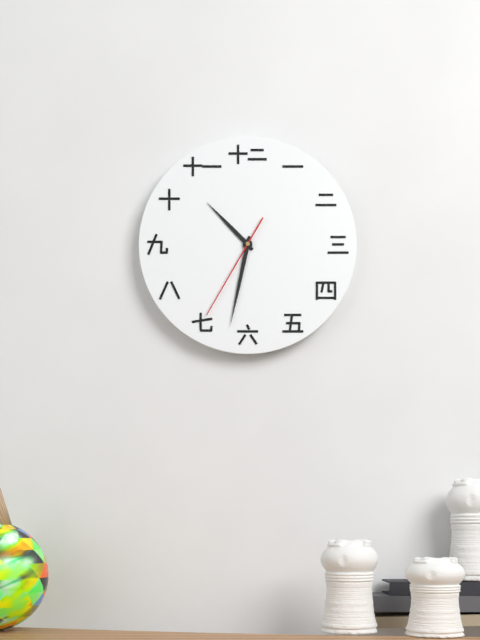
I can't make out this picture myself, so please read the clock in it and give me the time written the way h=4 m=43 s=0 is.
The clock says h=10 m=32 s=35
